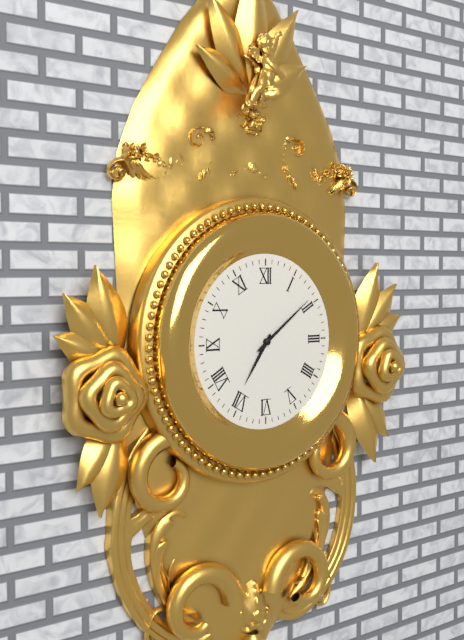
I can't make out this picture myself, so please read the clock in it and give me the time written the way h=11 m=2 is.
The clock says h=7 m=9
